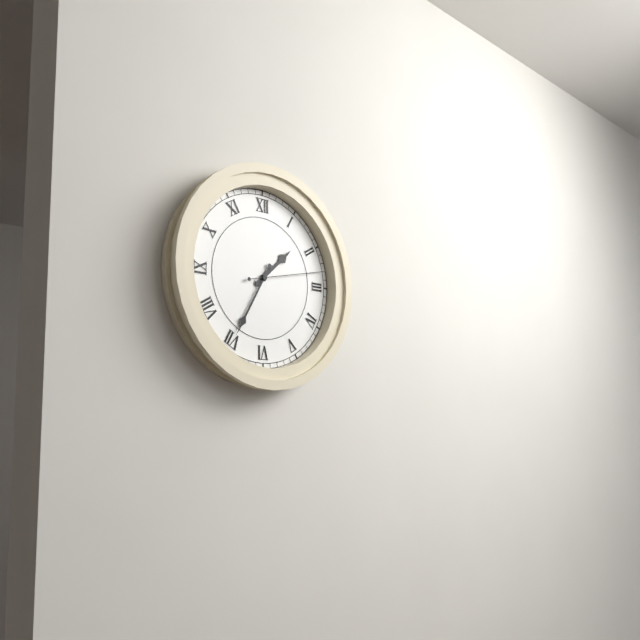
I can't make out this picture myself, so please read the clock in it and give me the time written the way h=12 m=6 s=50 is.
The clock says h=1 m=35 s=13
